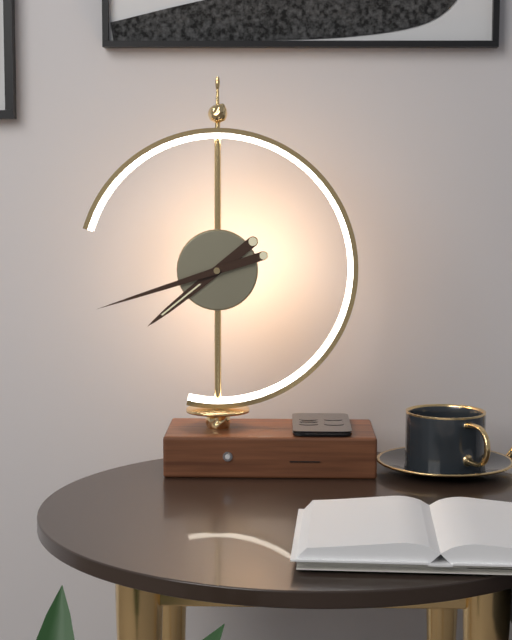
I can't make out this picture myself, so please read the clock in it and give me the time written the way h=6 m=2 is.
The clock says h=7 m=42
